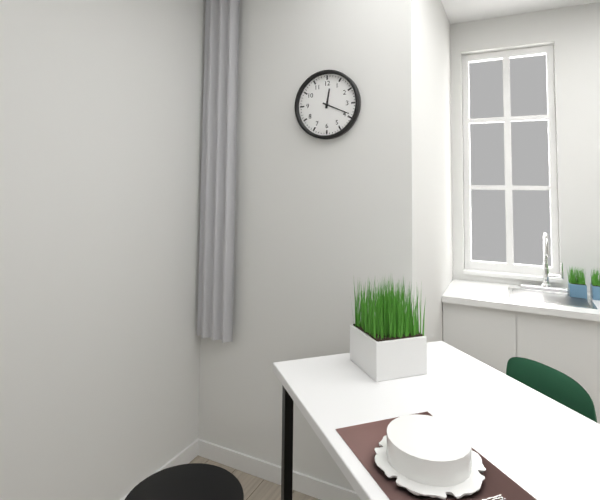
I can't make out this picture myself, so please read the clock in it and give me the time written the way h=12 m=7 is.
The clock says h=12 m=19
